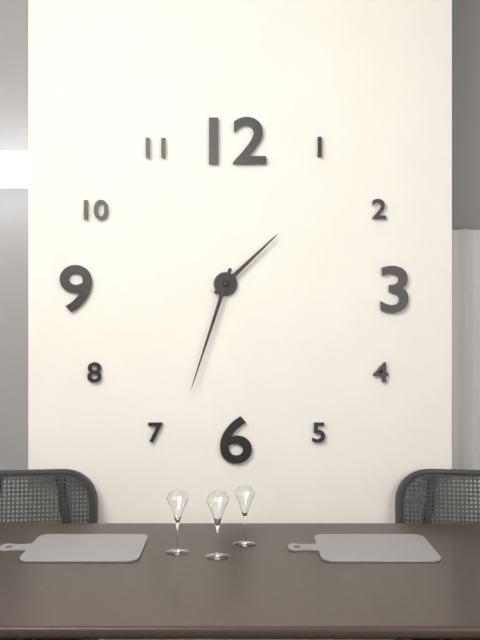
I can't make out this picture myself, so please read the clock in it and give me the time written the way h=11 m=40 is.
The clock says h=1 m=33
